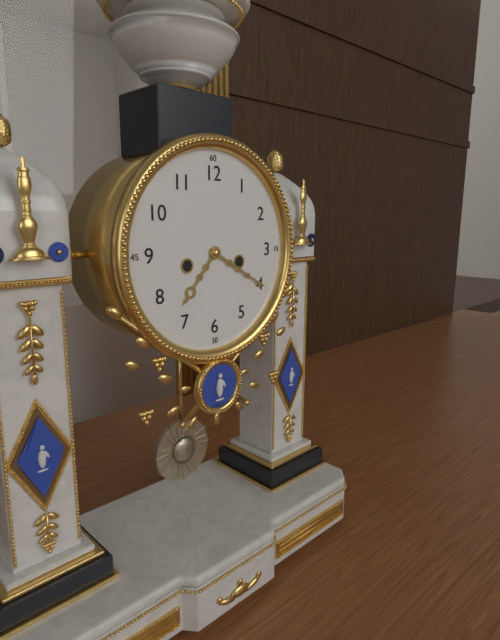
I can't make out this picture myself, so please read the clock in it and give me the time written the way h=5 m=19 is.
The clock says h=7 m=20
